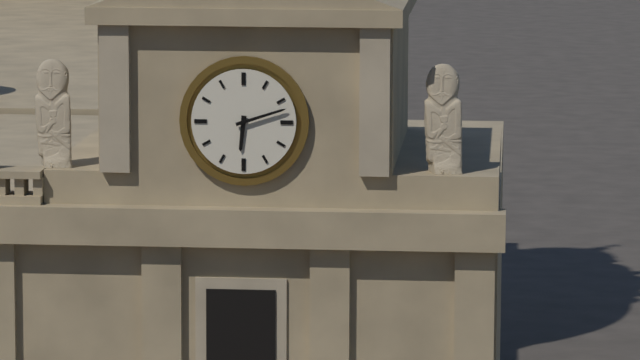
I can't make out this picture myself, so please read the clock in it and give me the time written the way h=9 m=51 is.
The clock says h=6 m=12
